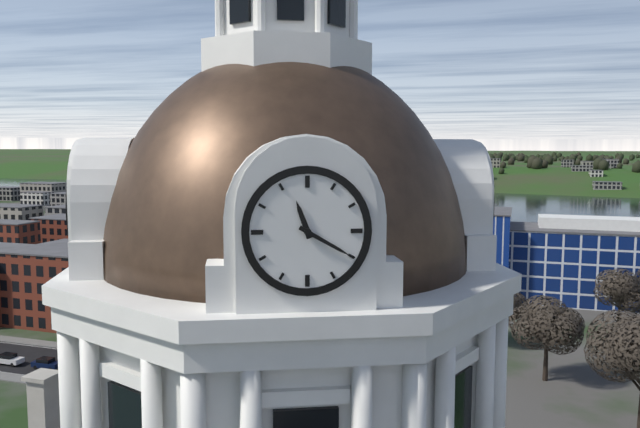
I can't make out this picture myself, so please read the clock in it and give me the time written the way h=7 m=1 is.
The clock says h=11 m=20
